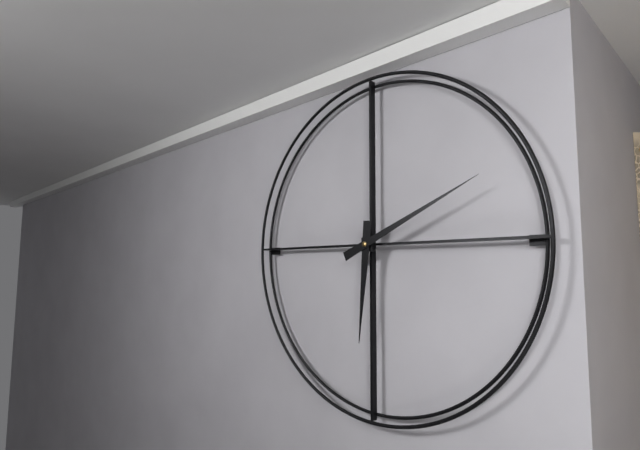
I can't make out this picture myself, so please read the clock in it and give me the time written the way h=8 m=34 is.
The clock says h=6 m=11
